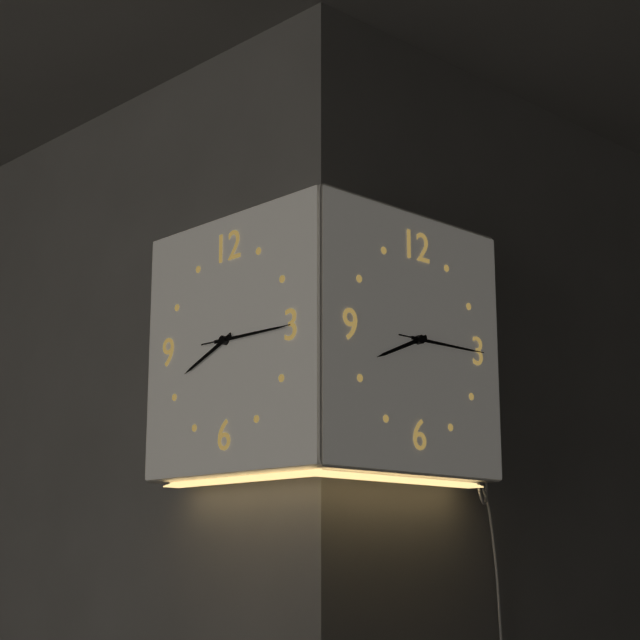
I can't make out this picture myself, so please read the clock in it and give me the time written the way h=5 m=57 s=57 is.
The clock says h=8 m=15 s=15
